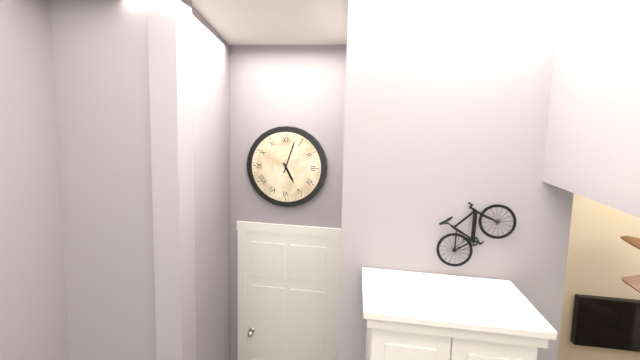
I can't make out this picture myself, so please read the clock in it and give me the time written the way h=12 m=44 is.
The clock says h=5 m=3
